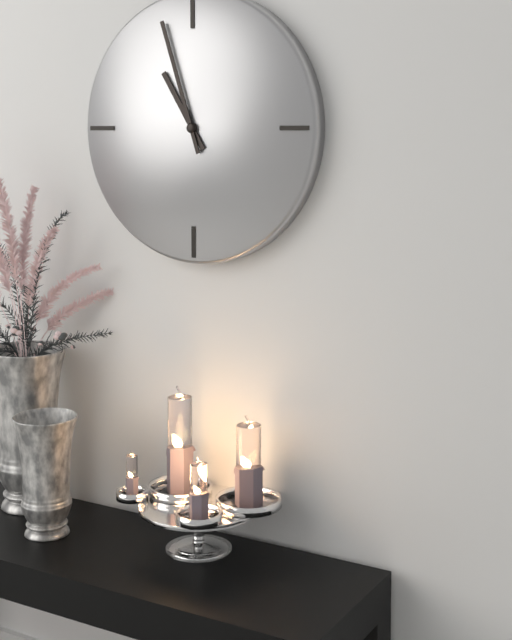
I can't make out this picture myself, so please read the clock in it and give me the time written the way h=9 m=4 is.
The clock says h=10 m=57
